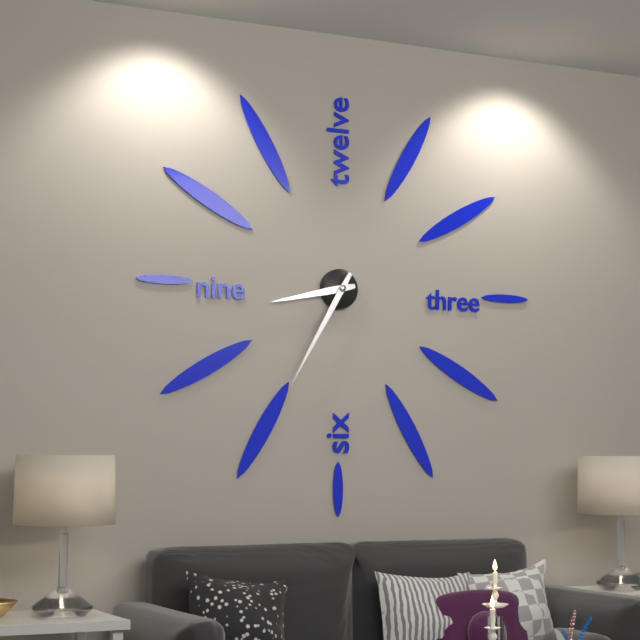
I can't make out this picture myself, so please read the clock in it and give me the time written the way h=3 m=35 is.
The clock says h=8 m=35
